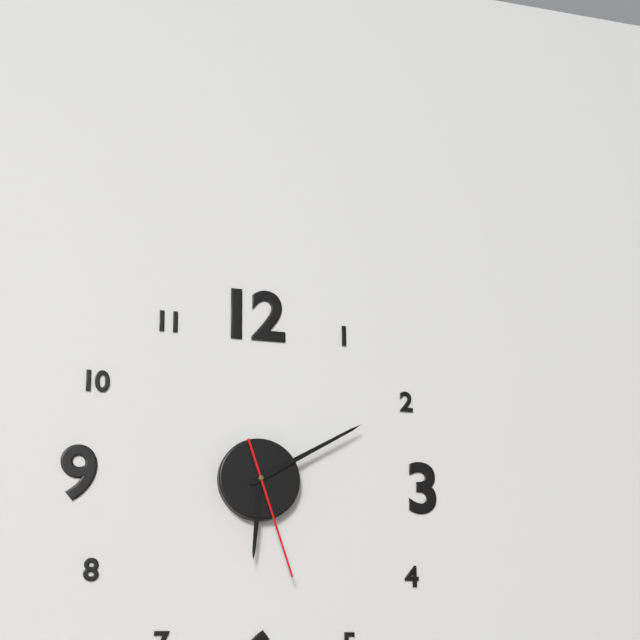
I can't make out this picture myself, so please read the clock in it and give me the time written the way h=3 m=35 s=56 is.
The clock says h=6 m=10 s=27
